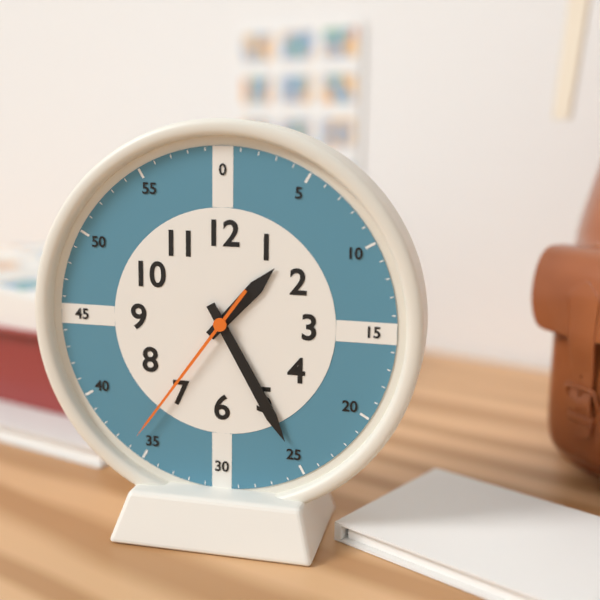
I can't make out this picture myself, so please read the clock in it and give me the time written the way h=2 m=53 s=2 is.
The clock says h=1 m=25 s=36
